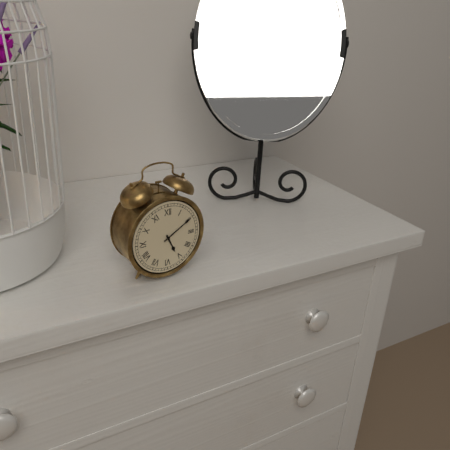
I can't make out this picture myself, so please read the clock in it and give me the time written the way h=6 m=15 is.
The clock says h=5 m=10
